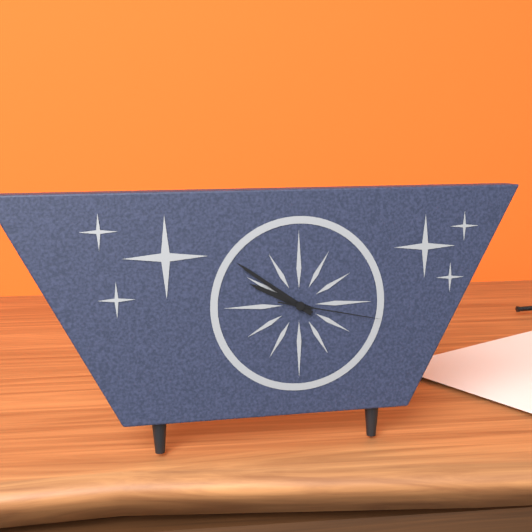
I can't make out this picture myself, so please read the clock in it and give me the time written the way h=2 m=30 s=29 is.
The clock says h=9 m=51 s=17
